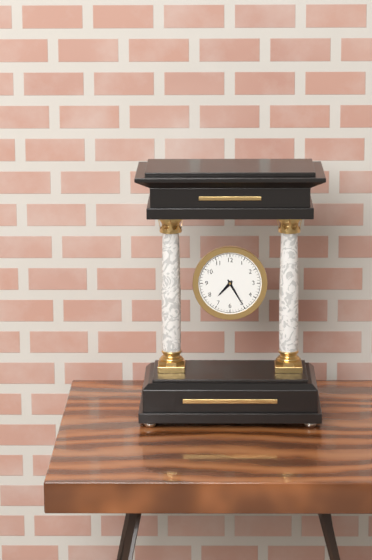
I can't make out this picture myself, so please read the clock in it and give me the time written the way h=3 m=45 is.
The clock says h=7 m=25
